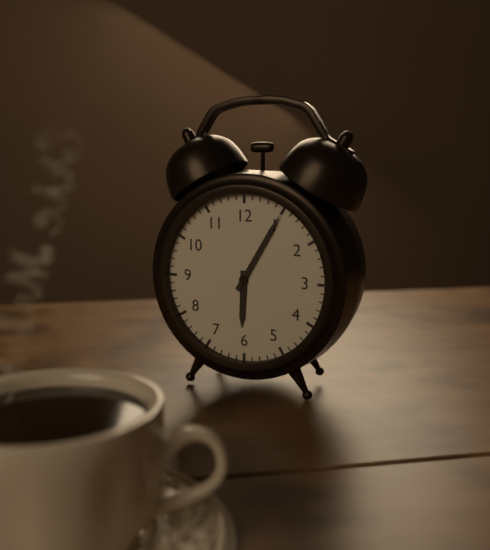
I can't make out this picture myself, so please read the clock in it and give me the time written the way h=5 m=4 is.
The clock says h=6 m=5
